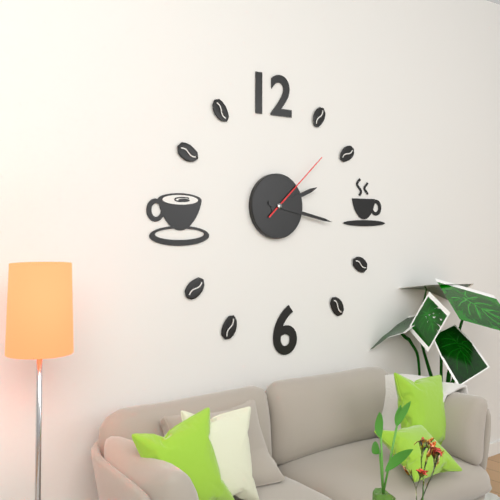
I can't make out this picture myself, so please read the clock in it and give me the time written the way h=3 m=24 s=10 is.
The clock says h=2 m=17 s=8
